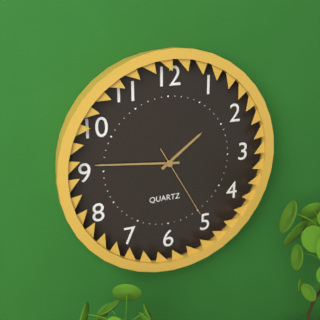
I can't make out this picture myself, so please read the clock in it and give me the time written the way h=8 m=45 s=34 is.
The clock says h=1 m=46 s=25
